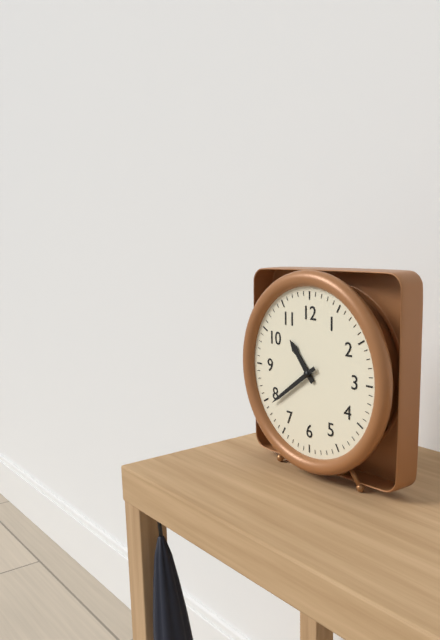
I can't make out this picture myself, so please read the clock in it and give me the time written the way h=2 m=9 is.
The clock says h=10 m=39
